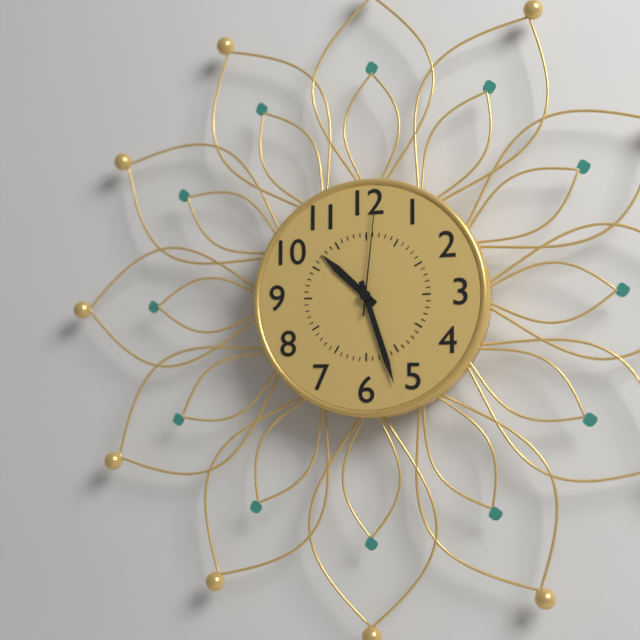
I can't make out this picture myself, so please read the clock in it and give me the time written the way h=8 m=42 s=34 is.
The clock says h=10 m=27 s=1
